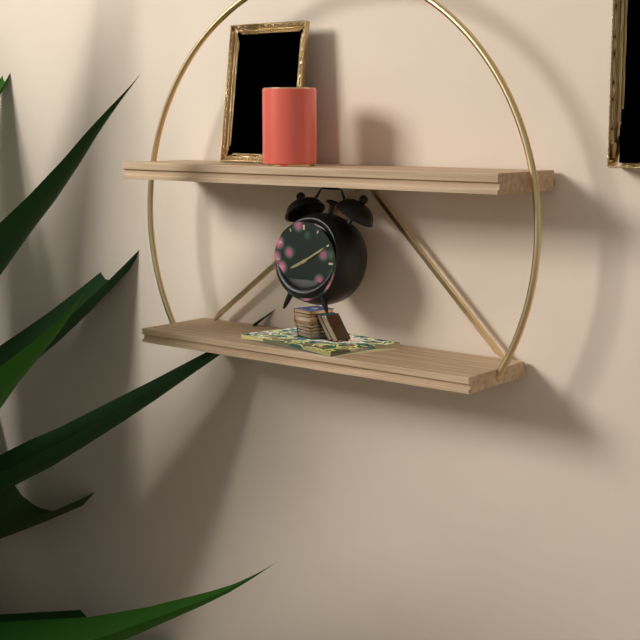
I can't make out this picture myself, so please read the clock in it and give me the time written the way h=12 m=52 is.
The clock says h=8 m=10
